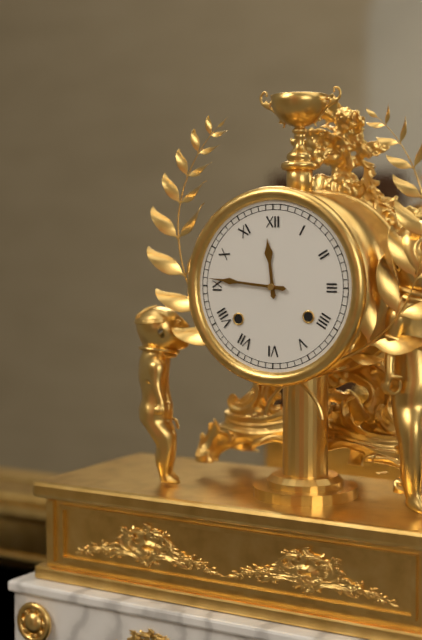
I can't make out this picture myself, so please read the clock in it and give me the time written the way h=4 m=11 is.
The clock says h=11 m=46
